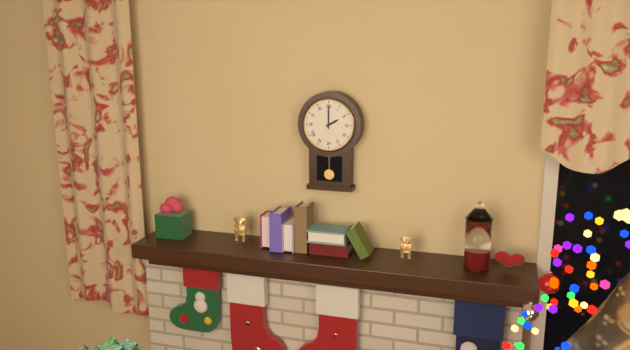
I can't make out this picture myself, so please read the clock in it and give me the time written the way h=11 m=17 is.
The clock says h=2 m=0
